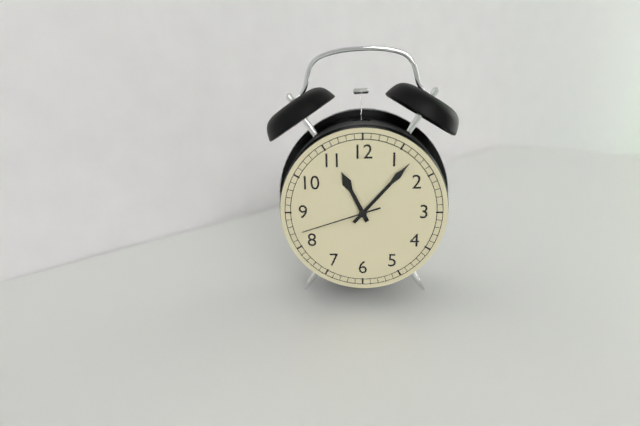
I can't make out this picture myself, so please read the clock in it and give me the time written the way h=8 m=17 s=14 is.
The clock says h=11 m=7 s=42
